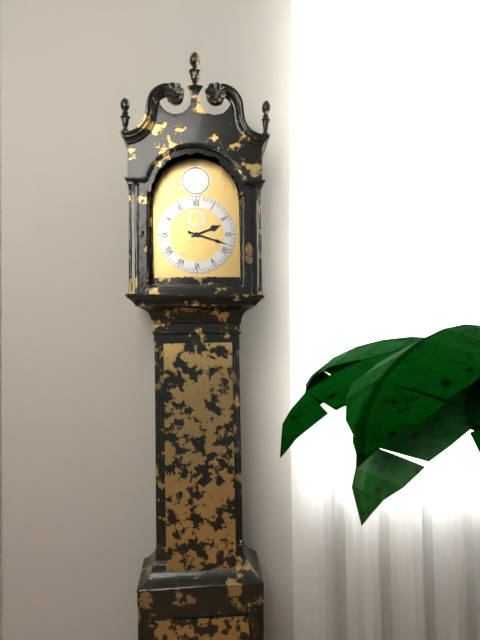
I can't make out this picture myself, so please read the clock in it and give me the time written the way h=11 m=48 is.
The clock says h=2 m=18
